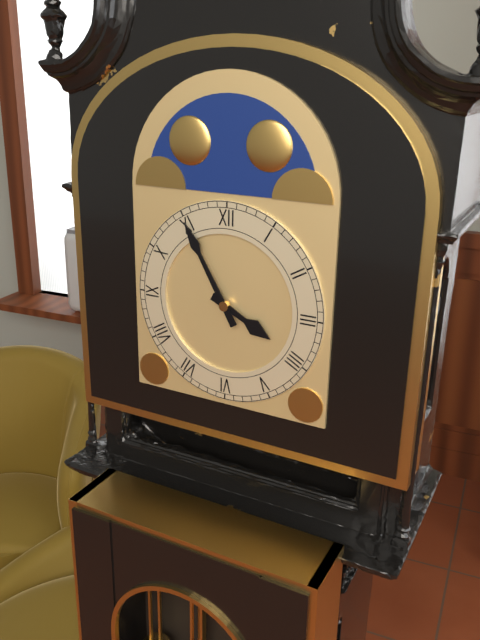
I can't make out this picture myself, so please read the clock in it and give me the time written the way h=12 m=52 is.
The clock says h=3 m=55
